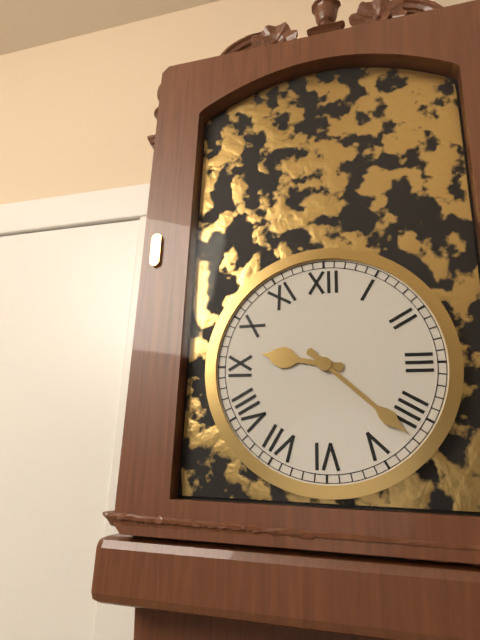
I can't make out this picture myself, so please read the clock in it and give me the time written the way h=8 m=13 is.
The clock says h=9 m=22
